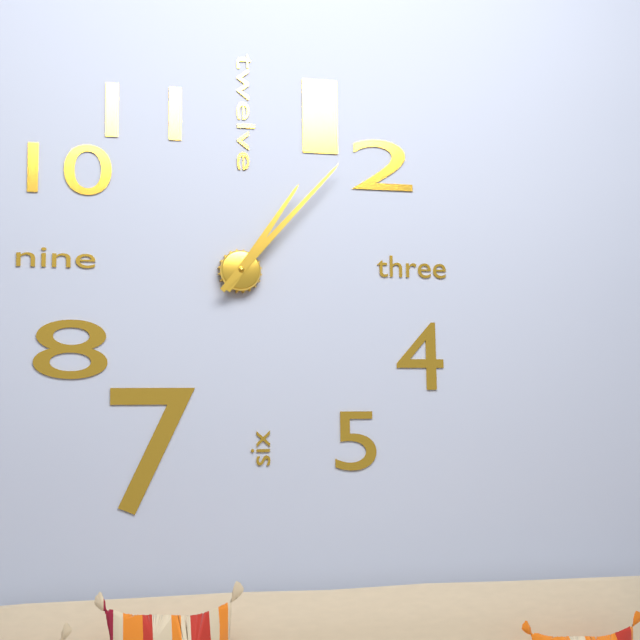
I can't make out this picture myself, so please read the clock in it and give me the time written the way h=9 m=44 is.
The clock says h=1 m=7
